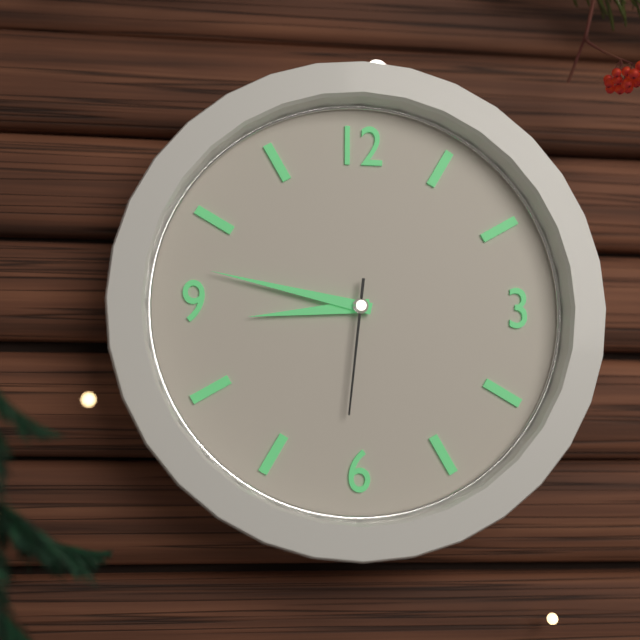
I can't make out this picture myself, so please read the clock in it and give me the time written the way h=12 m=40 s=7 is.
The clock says h=8 m=47 s=31
